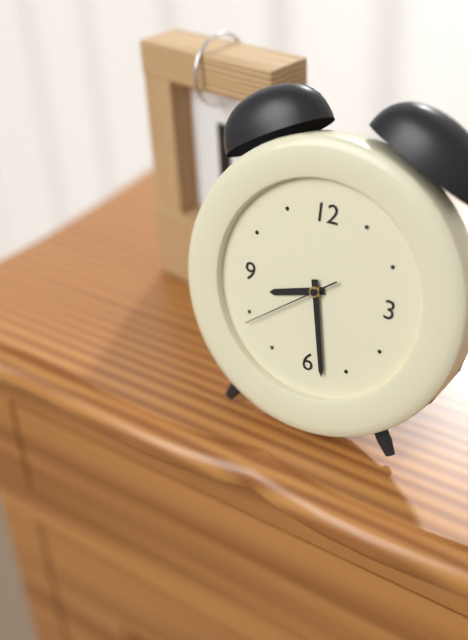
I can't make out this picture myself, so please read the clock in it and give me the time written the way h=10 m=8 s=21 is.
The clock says h=8 m=28 s=39
